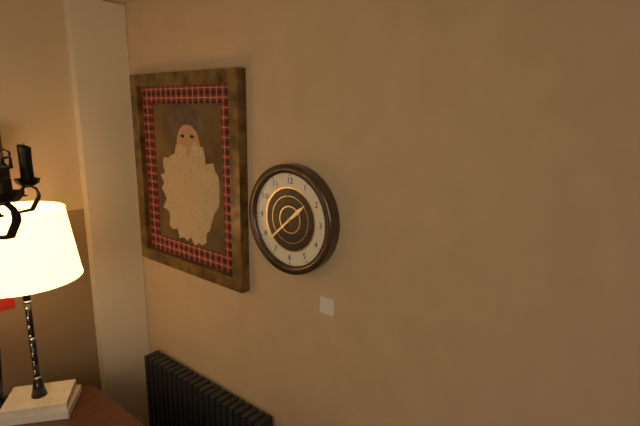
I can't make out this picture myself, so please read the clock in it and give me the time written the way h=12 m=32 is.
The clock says h=1 m=38
